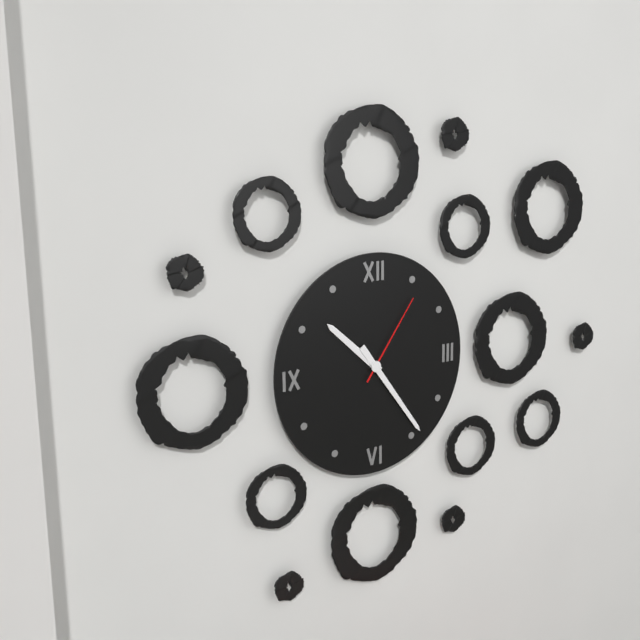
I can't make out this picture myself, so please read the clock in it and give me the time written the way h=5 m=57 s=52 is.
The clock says h=10 m=24 s=6
